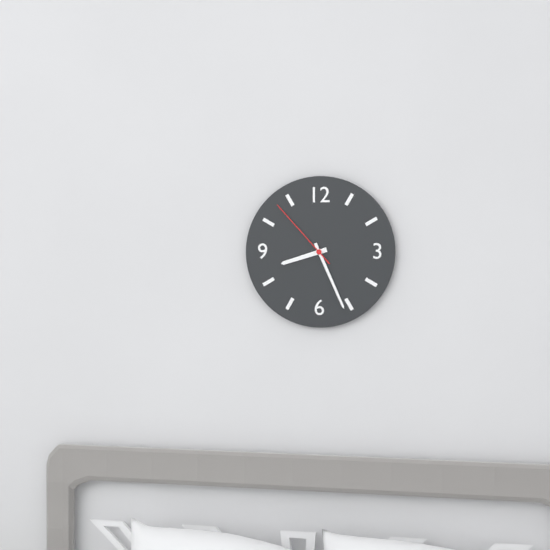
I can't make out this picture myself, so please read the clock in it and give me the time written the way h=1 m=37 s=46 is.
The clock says h=8 m=26 s=53
